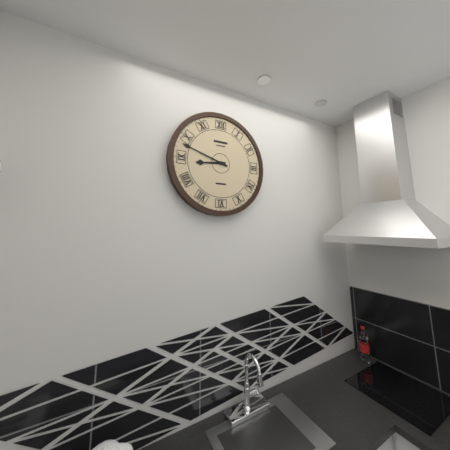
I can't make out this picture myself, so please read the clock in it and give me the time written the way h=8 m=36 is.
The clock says h=8 m=48
